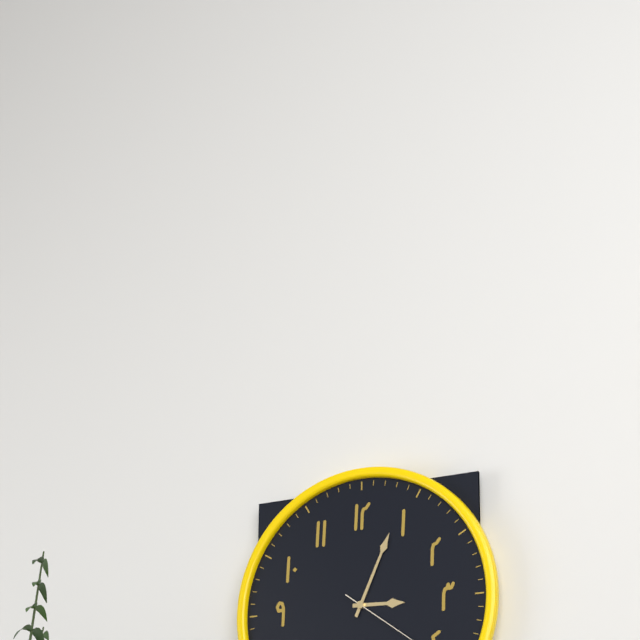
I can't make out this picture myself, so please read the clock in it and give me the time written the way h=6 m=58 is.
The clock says h=3 m=4
